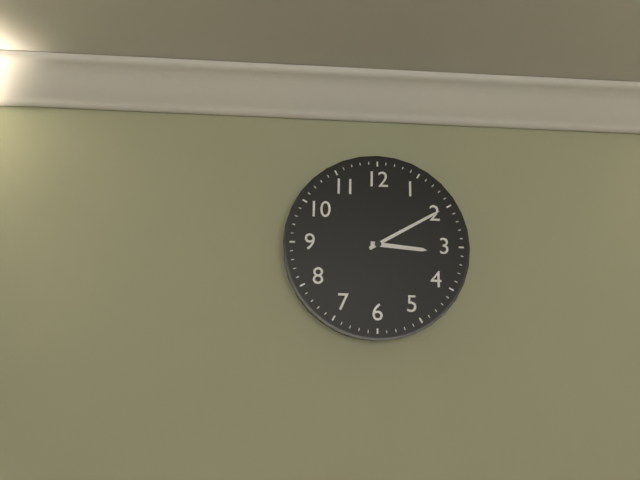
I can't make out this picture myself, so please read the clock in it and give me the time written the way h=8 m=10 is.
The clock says h=3 m=10
